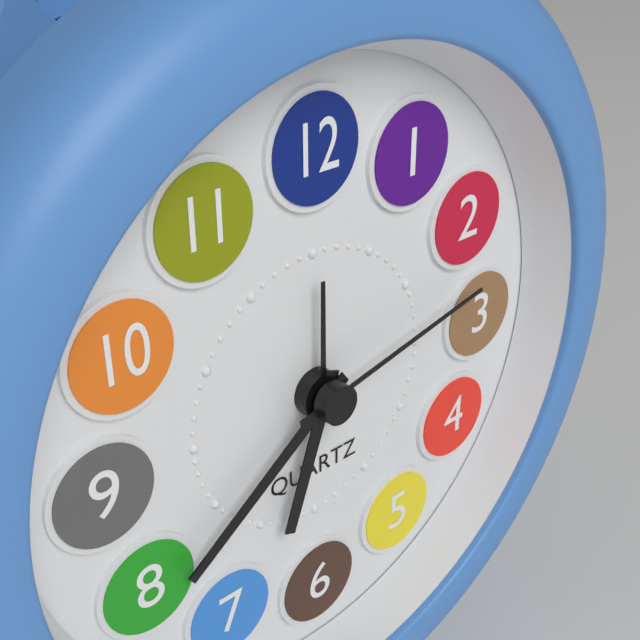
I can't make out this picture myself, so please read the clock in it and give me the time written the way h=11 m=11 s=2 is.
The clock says h=6 m=39 s=13
